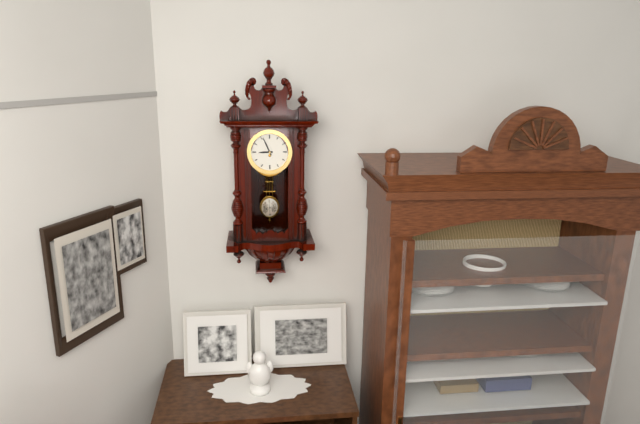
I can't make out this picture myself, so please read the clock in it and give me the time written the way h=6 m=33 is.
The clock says h=8 m=56
